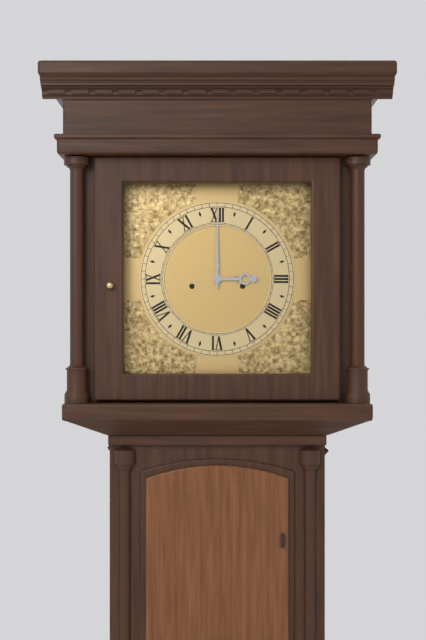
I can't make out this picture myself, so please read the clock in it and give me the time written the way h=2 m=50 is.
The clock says h=3 m=0
